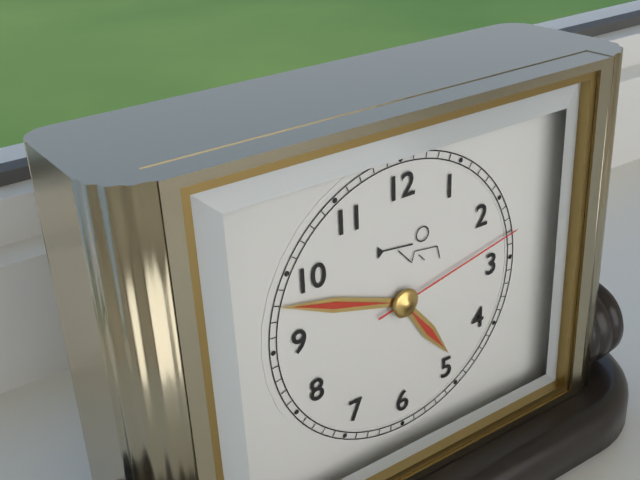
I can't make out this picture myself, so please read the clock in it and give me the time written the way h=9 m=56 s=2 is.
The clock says h=4 m=48 s=13
